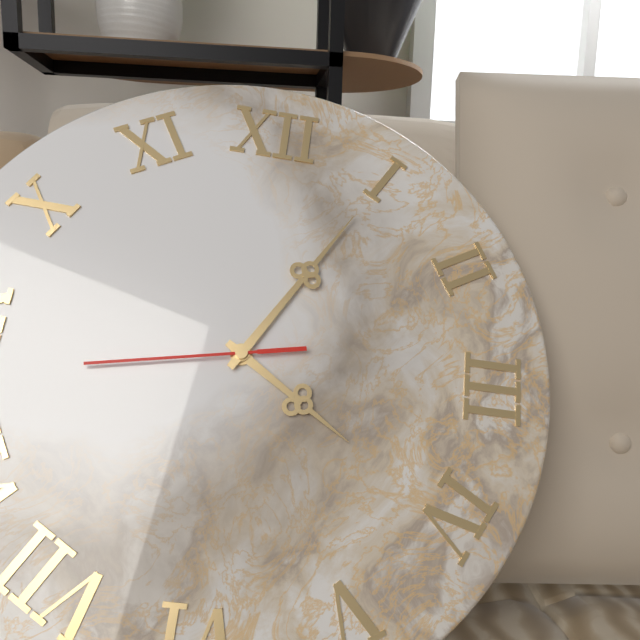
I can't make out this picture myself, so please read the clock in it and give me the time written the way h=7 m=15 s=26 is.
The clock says h=4 m=5 s=43
